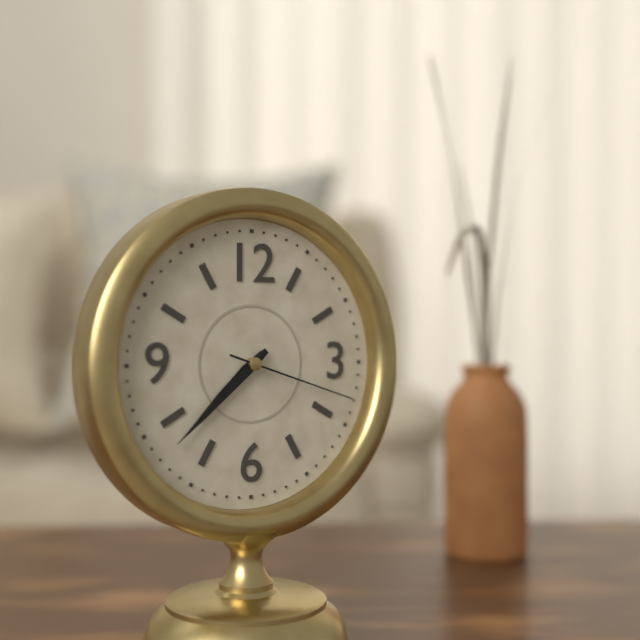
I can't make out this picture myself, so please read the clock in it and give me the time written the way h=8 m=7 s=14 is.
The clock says h=7 m=38 s=18
